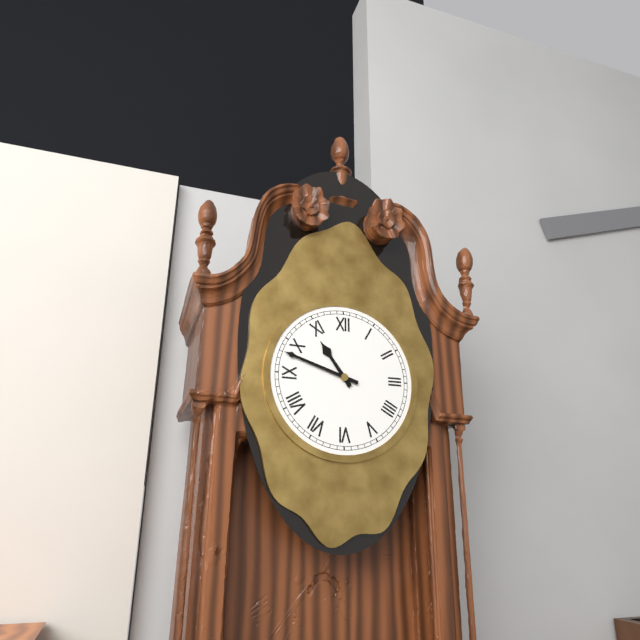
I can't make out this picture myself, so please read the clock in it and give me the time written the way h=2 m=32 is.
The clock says h=10 m=48
